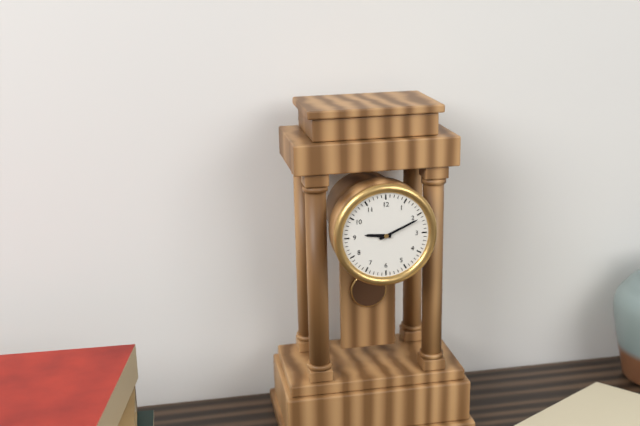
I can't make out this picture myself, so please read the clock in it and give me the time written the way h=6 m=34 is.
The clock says h=9 m=11
